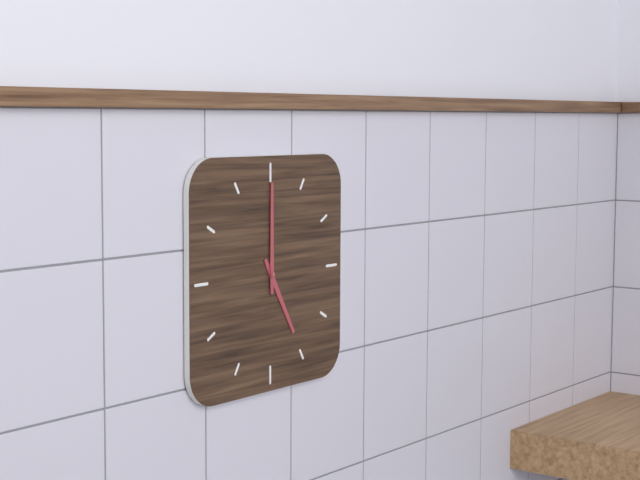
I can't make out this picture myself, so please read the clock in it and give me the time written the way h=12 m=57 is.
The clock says h=5 m=0
